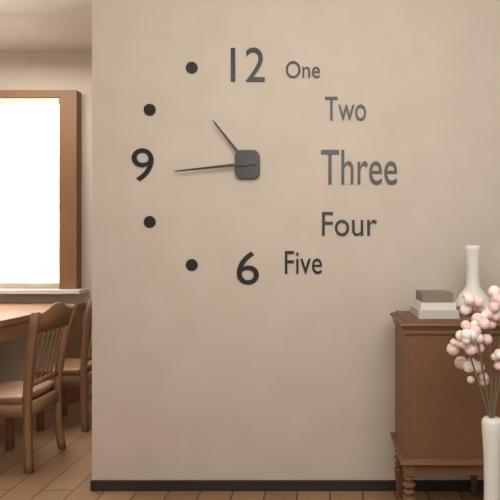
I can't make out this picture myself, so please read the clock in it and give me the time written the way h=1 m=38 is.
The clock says h=10 m=44
